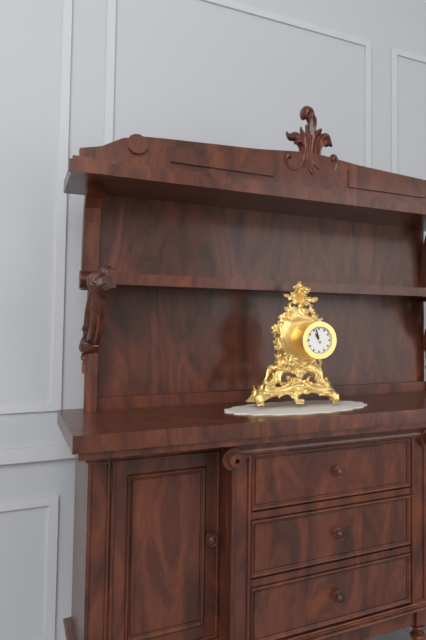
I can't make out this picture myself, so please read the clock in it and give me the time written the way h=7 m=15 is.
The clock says h=10 m=57
